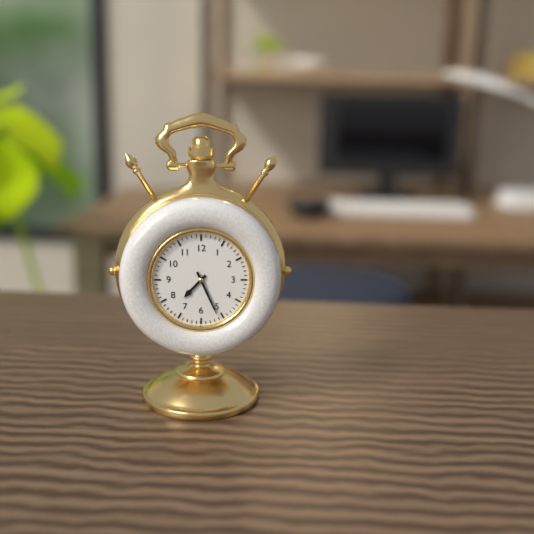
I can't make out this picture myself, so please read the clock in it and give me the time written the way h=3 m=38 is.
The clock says h=7 m=26
